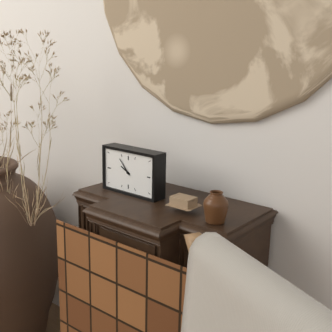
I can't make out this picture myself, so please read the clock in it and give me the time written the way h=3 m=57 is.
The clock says h=9 m=53
